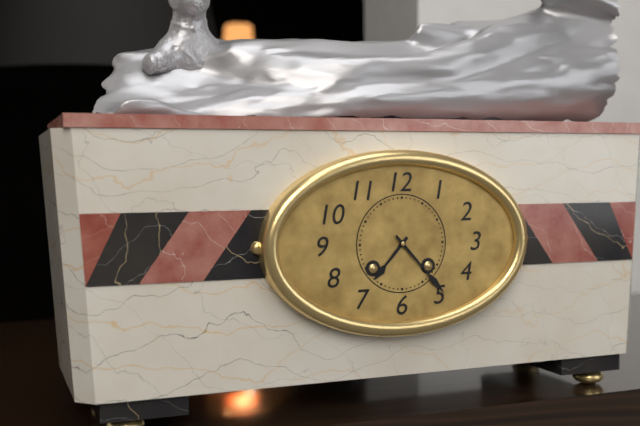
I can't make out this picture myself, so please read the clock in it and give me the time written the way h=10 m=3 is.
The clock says h=7 m=23
